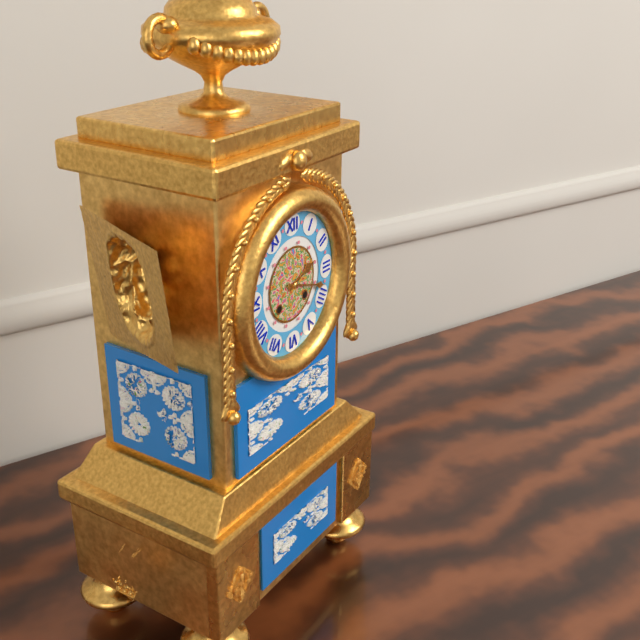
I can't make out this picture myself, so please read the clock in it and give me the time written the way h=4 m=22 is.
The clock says h=2 m=18
